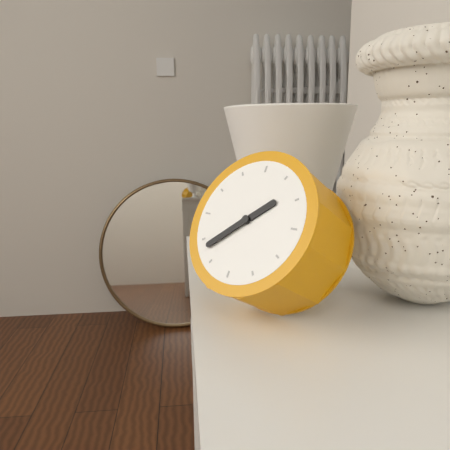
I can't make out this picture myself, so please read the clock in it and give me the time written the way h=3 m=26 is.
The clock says h=1 m=38
